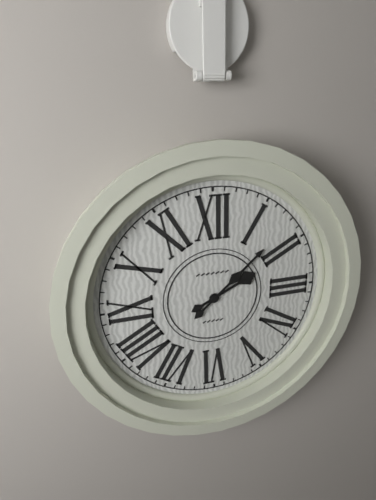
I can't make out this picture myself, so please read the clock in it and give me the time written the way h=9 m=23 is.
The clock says h=2 m=8
